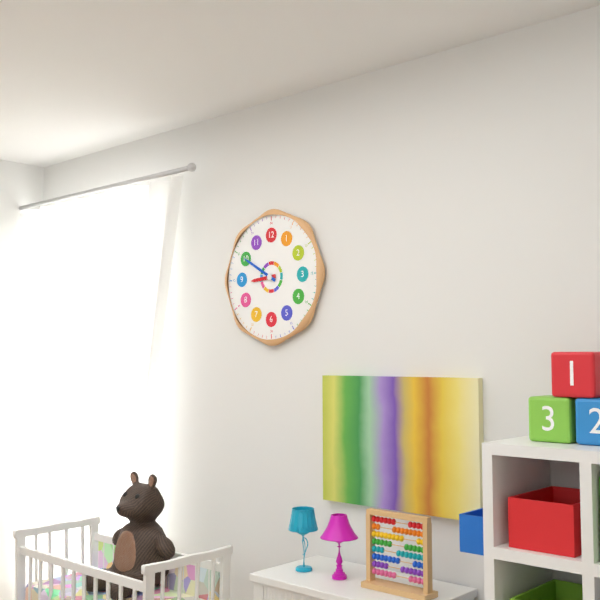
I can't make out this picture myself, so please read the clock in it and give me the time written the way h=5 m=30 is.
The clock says h=8 m=50
